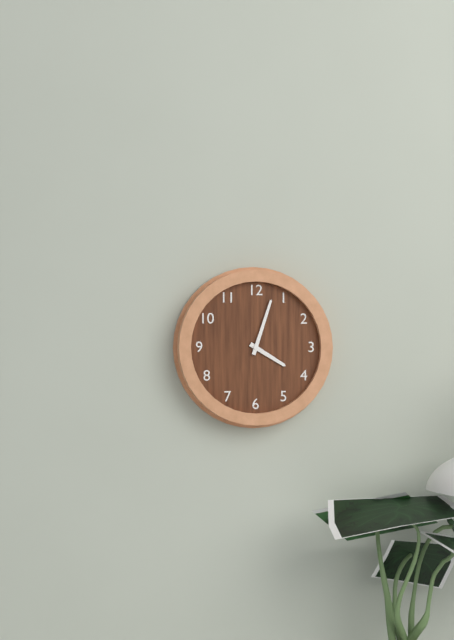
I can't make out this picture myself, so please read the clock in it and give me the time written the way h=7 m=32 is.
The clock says h=4 m=3
